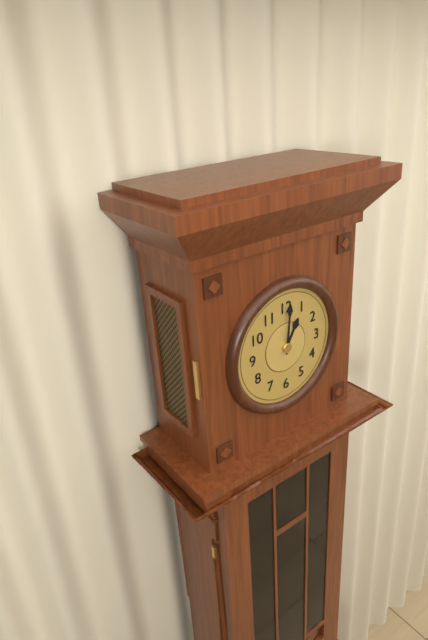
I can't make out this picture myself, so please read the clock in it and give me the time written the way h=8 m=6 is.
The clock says h=1 m=1
